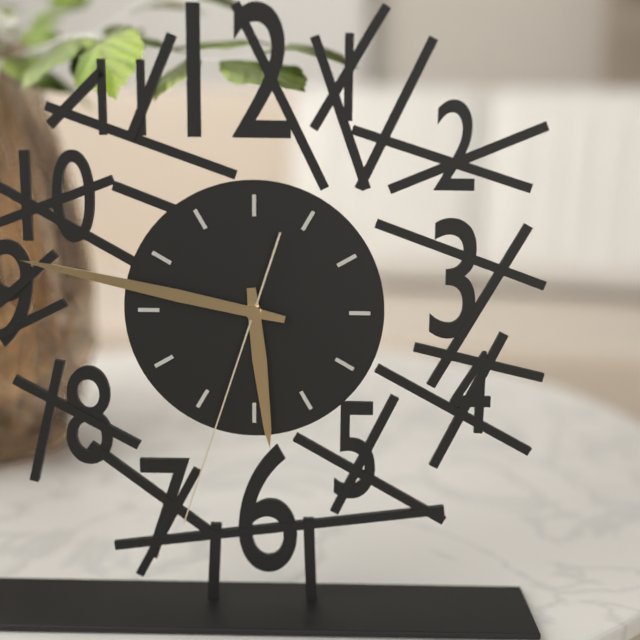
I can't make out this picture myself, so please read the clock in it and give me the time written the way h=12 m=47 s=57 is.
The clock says h=5 m=47 s=33
